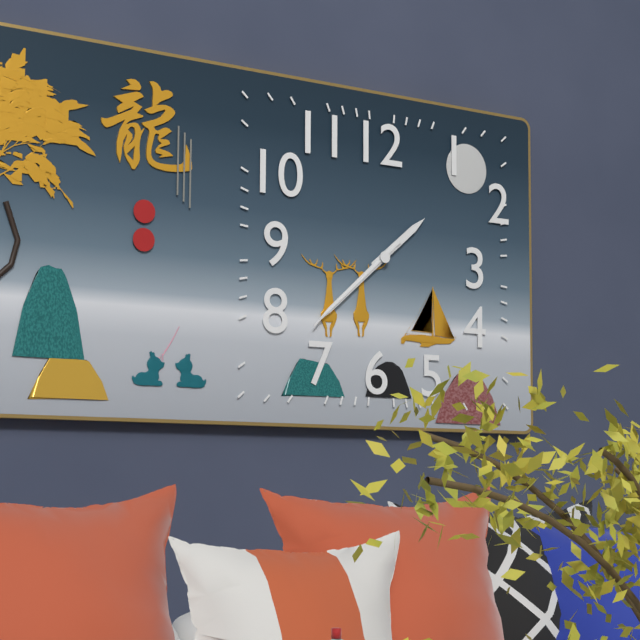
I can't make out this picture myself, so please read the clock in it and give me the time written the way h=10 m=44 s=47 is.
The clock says h=1 m=38 s=38
